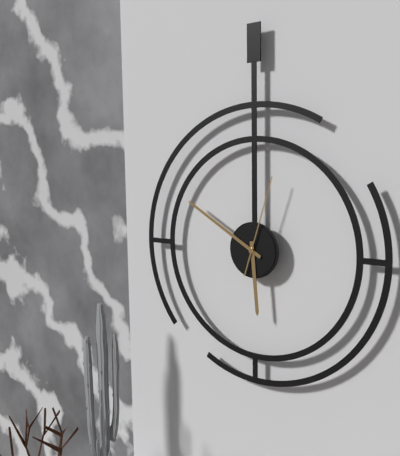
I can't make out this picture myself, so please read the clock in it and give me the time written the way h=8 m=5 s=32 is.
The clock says h=5 m=50 s=3
